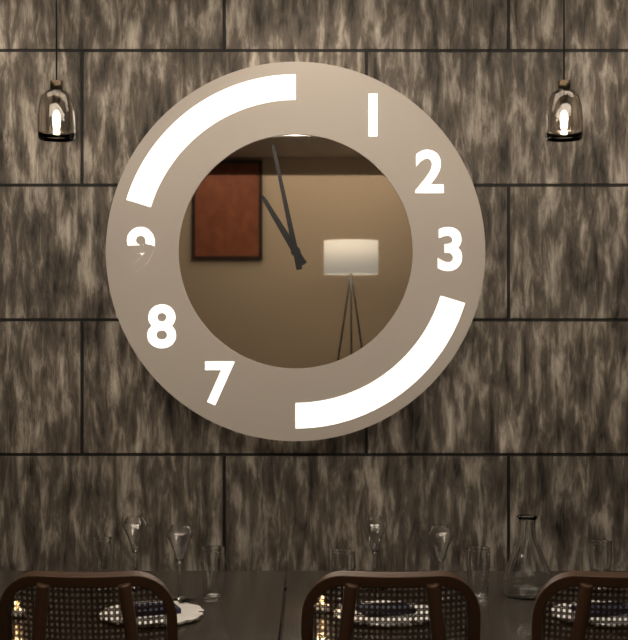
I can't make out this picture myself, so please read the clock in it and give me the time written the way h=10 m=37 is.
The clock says h=10 m=58
